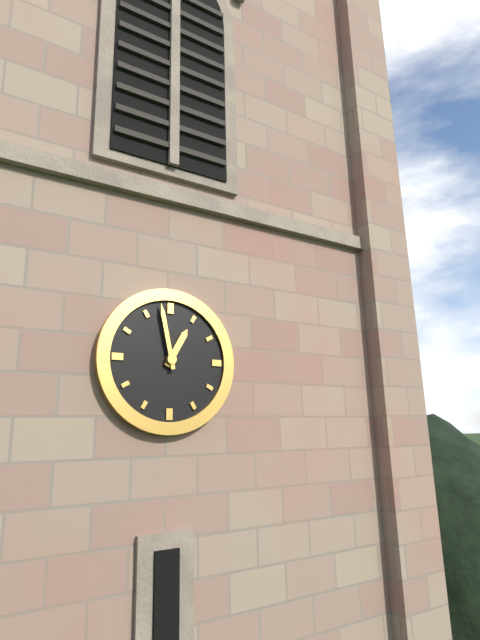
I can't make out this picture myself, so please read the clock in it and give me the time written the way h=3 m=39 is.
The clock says h=12 m=58
